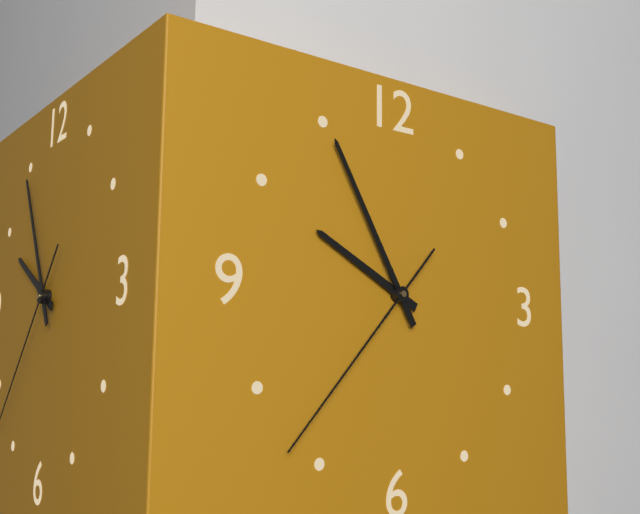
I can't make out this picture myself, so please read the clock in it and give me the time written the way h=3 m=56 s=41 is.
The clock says h=9 m=55 s=37
